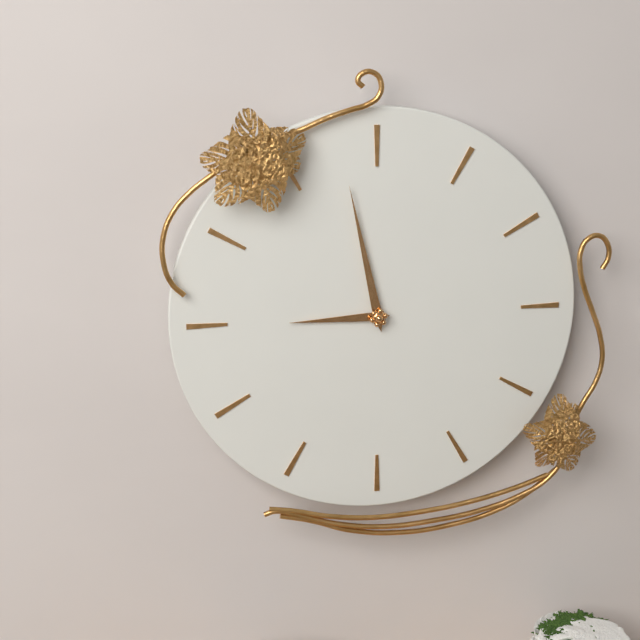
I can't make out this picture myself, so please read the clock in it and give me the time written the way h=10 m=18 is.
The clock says h=8 m=58
